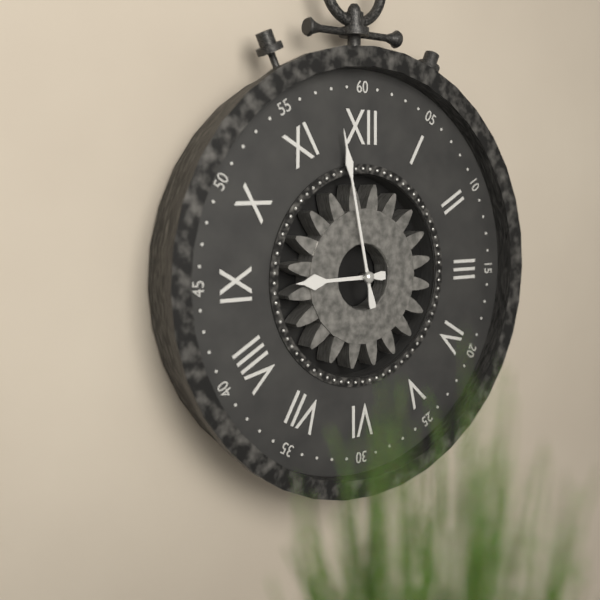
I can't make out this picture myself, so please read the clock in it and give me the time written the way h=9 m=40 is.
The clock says h=8 m=58
